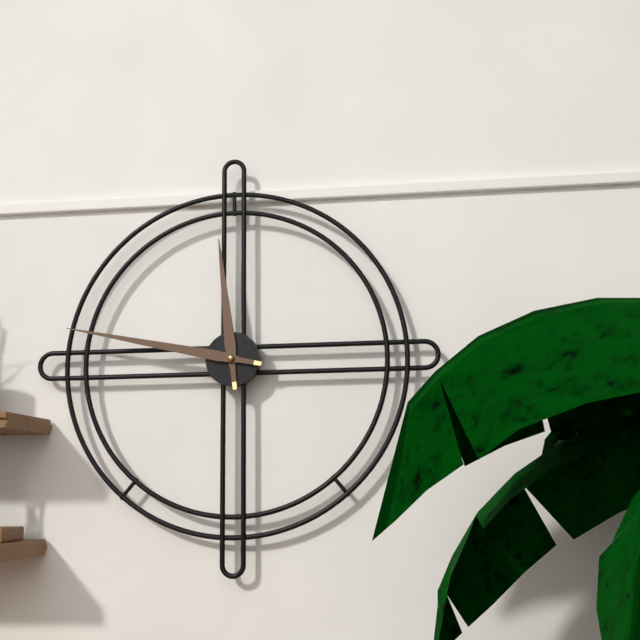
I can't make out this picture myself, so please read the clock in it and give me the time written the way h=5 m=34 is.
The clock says h=11 m=47
